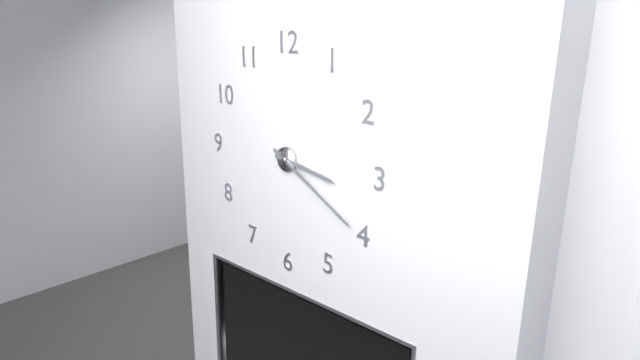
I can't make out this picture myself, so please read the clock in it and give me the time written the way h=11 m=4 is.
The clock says h=3 m=20
